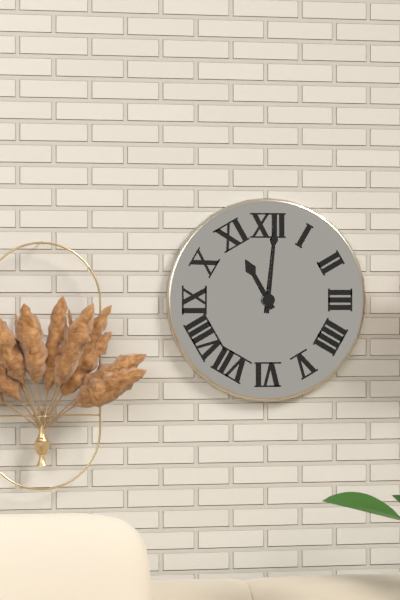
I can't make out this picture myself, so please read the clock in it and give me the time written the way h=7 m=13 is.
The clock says h=11 m=1
